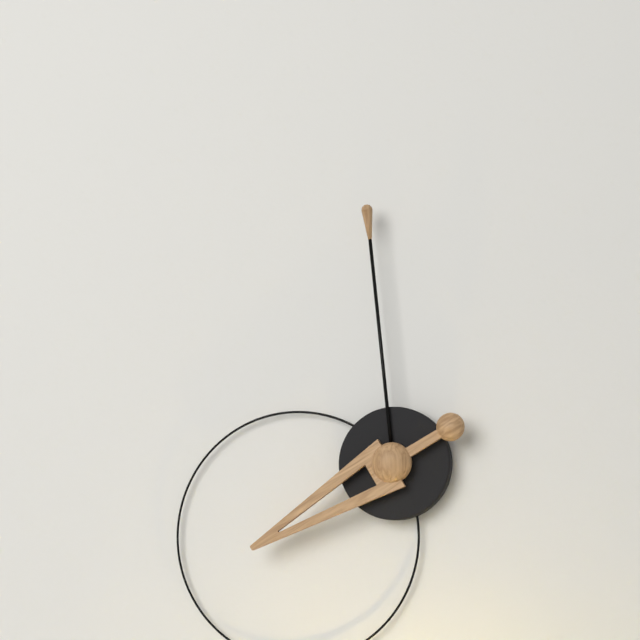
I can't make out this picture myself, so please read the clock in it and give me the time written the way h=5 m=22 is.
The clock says h=7 m=59
